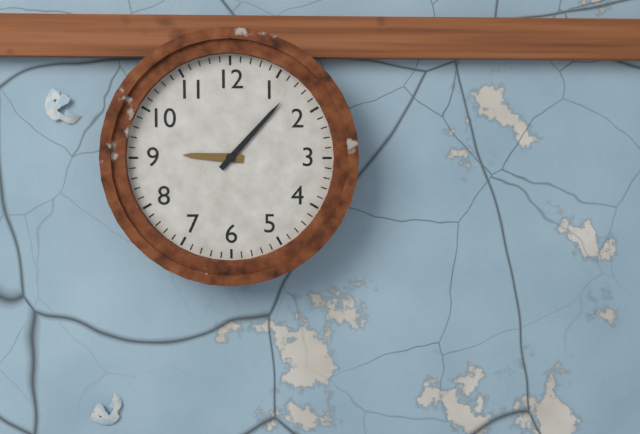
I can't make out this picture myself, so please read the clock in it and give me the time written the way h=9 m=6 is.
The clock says h=9 m=7
